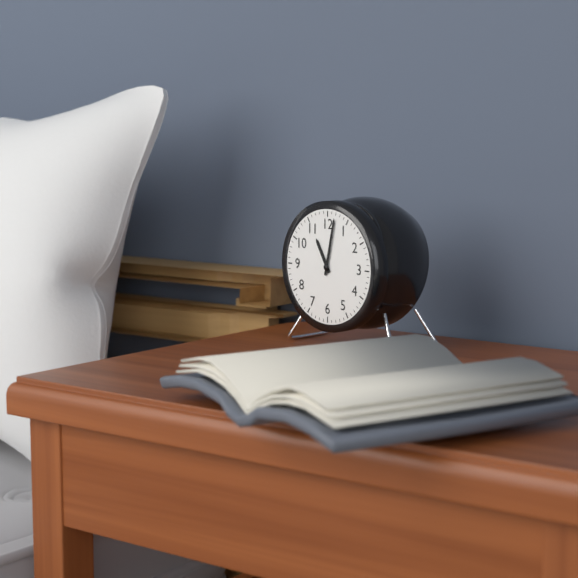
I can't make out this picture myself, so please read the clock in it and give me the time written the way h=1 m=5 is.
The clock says h=11 m=2
